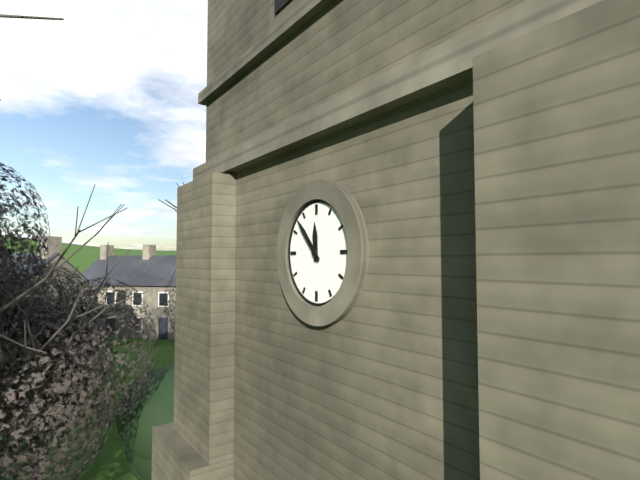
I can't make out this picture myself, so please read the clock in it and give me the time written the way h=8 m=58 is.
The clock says h=11 m=53
